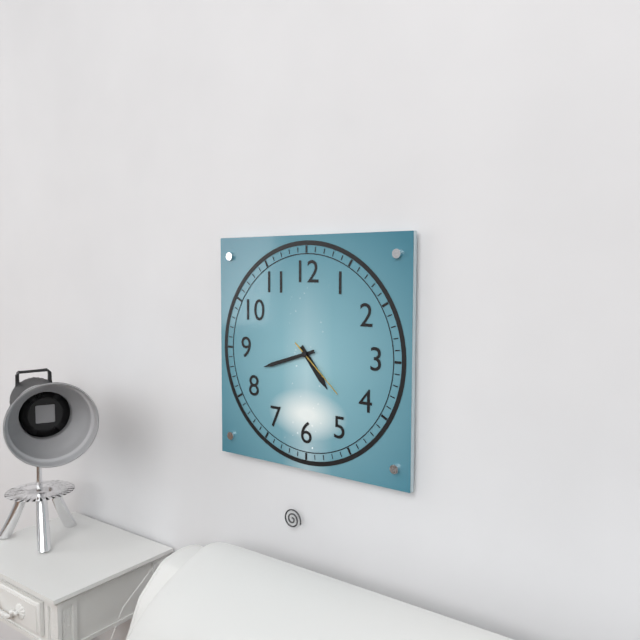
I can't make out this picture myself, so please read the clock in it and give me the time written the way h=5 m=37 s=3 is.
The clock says h=4 m=42 s=22
